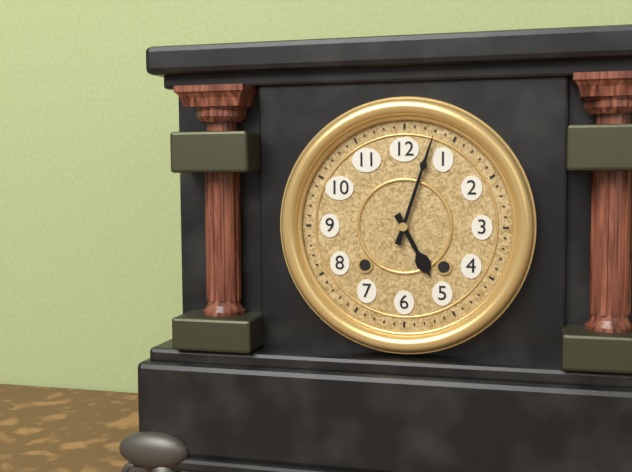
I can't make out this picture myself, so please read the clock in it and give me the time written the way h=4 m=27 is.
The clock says h=5 m=3
